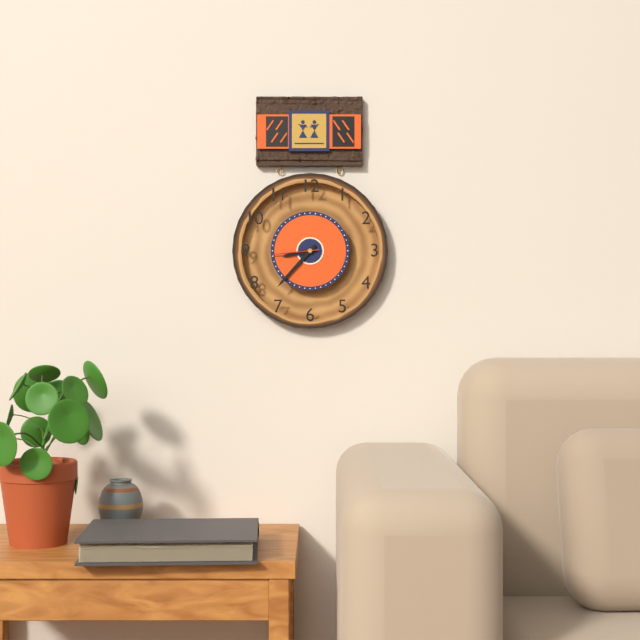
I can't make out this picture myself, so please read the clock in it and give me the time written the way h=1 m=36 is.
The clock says h=8 m=37
